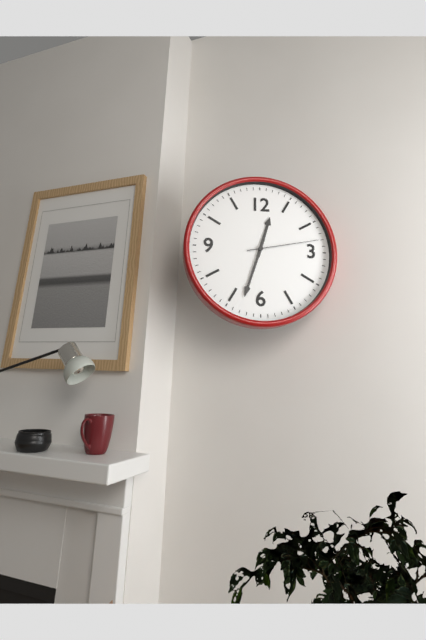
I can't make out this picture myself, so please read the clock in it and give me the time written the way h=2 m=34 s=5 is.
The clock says h=12 m=33 s=13
